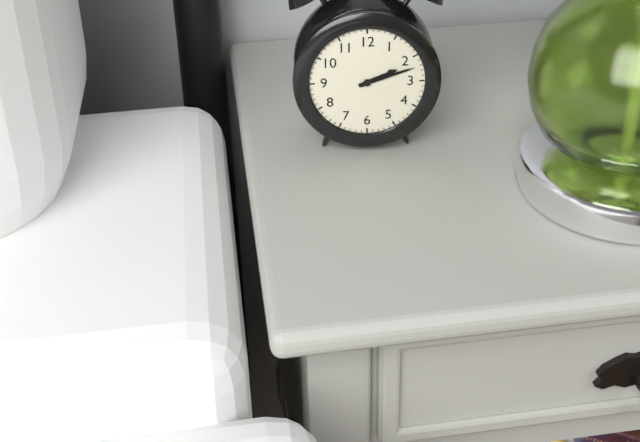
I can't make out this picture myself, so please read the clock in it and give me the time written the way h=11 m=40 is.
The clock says h=2 m=12
